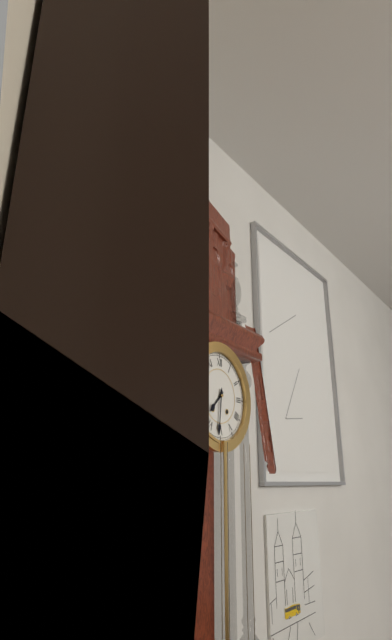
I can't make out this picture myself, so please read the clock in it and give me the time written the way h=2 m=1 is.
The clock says h=7 m=31
